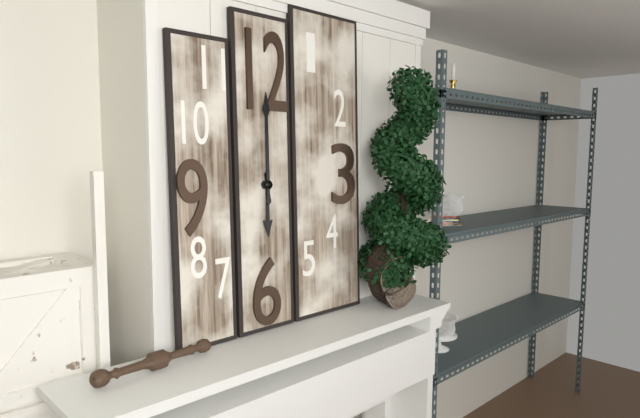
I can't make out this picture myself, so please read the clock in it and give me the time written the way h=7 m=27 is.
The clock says h=6 m=0
